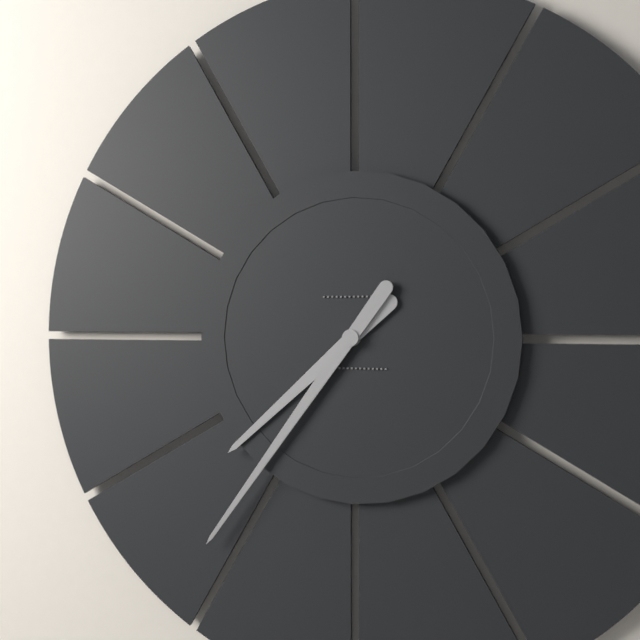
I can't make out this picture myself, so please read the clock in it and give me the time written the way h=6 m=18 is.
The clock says h=7 m=36
